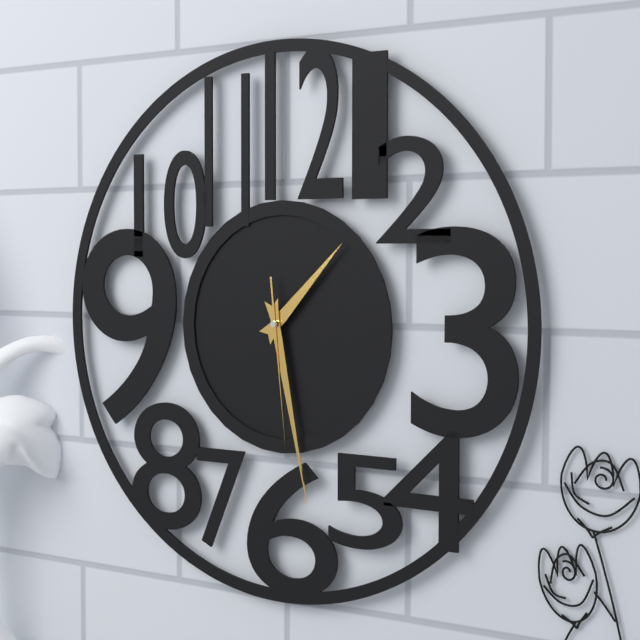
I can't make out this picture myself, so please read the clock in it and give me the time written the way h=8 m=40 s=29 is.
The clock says h=1 m=28 s=29
